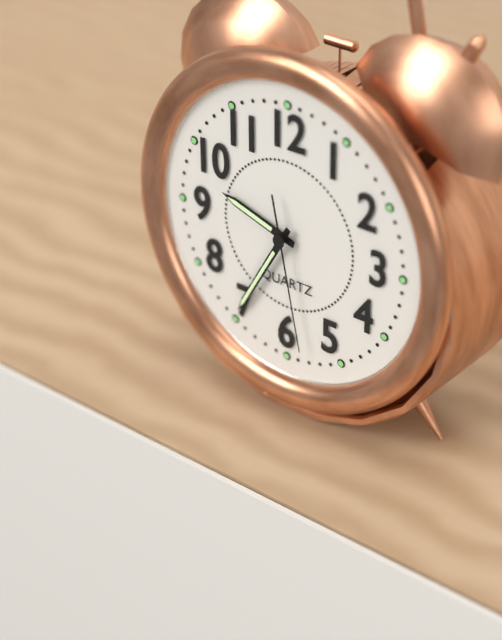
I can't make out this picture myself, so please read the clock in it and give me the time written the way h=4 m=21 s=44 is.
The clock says h=9 m=35 s=28
